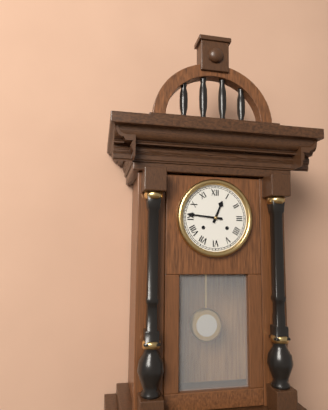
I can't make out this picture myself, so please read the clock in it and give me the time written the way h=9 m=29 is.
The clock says h=12 m=46
